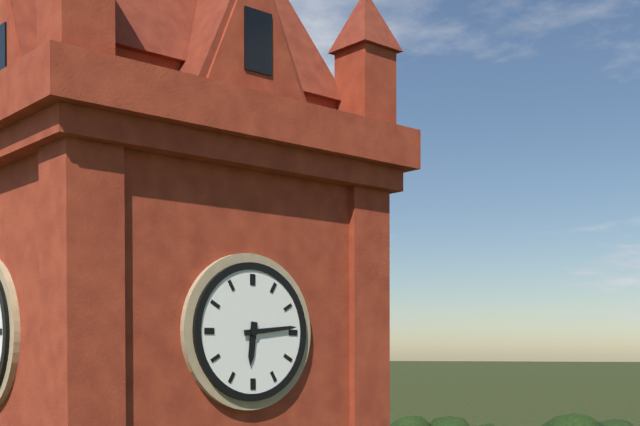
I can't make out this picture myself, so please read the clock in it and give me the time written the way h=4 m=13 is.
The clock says h=6 m=14
